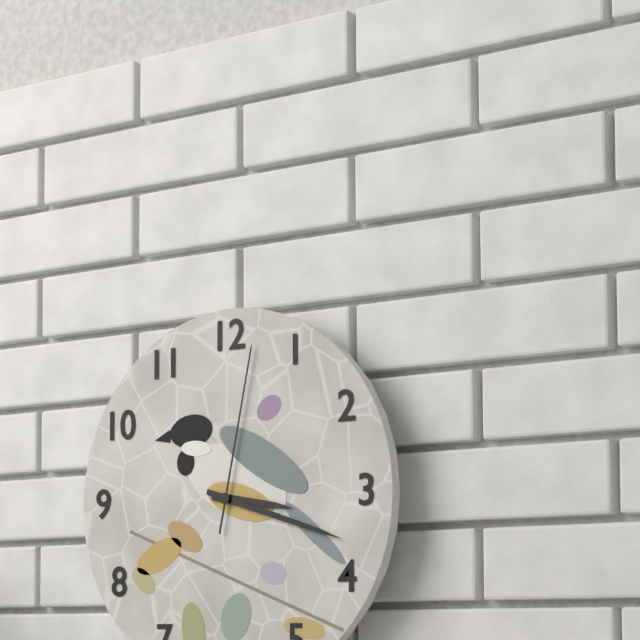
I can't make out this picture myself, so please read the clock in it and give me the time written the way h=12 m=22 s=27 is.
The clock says h=3 m=18 s=2
